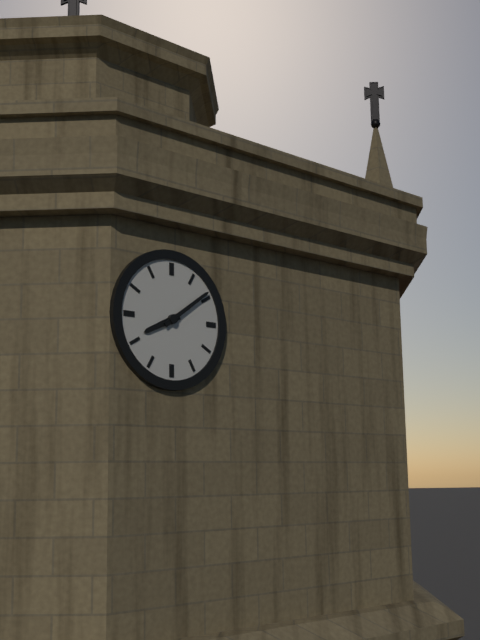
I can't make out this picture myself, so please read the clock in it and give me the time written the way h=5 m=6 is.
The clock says h=8 m=9
